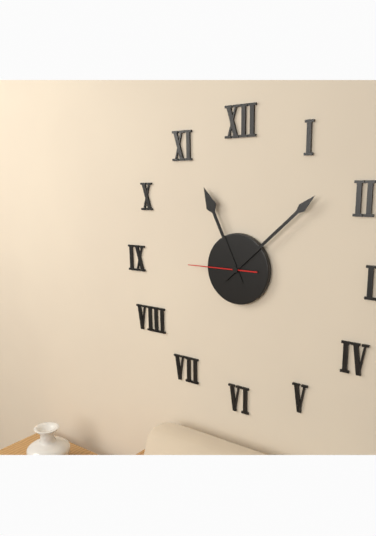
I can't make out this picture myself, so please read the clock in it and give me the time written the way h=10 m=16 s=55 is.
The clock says h=11 m=8 s=45
